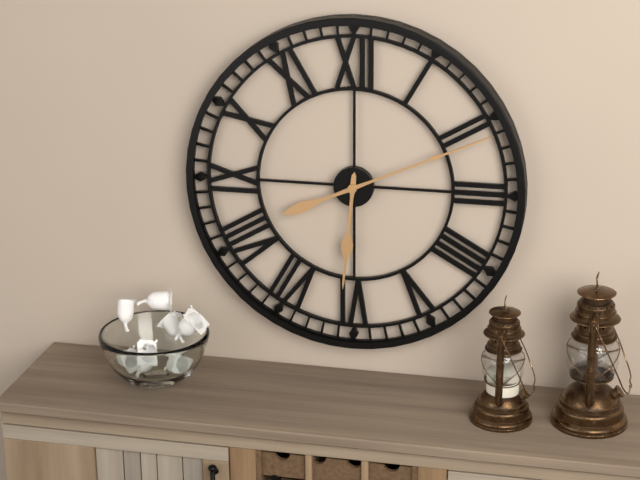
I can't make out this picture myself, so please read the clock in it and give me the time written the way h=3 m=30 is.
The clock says h=6 m=11
